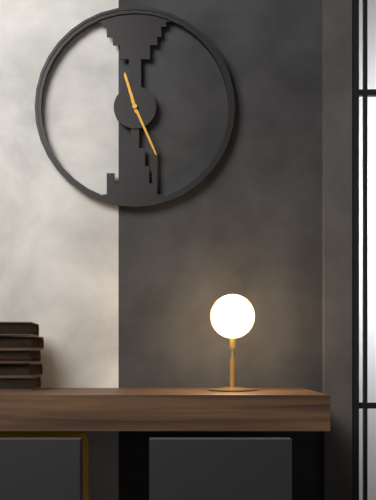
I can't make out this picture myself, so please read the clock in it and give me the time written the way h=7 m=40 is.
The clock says h=11 m=26
